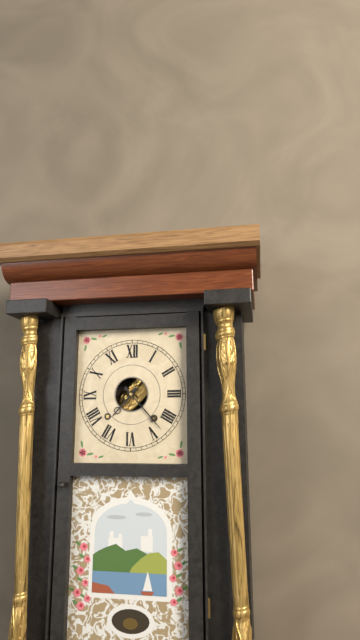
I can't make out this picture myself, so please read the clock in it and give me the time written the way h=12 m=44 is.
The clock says h=7 m=23
